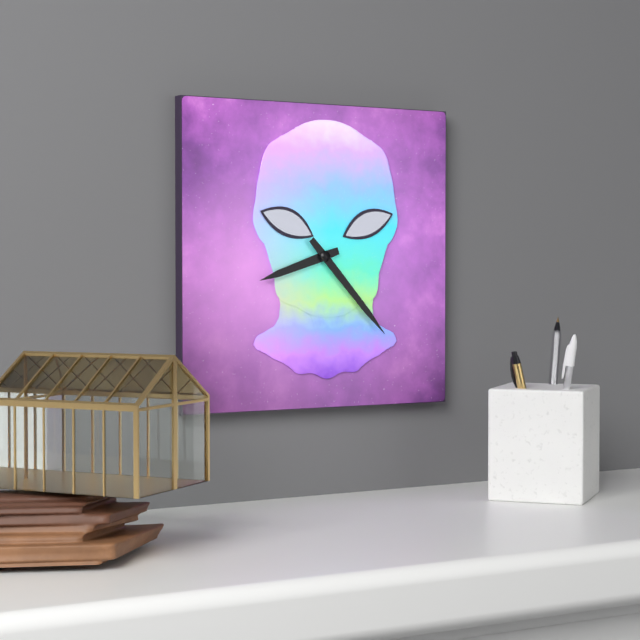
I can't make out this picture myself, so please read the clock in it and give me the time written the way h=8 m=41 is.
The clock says h=8 m=23
